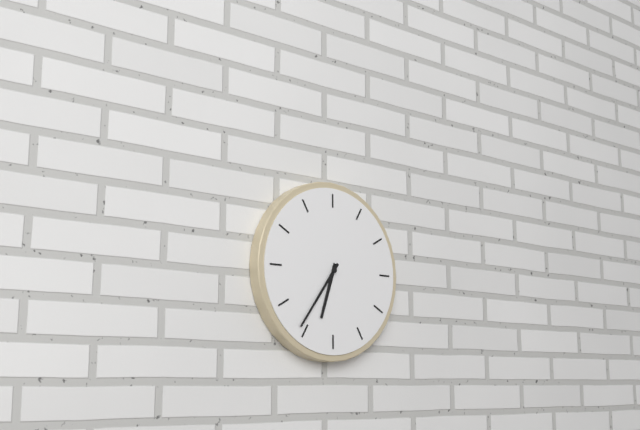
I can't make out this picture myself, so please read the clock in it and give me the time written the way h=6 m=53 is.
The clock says h=6 m=36
